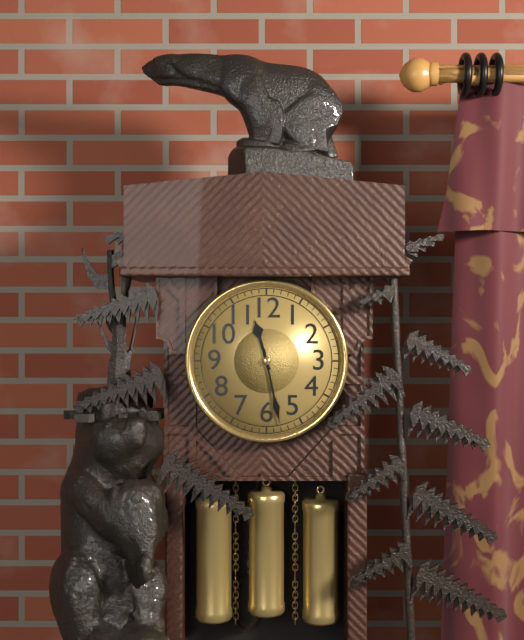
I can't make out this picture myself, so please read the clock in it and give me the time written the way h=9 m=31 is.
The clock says h=11 m=28
